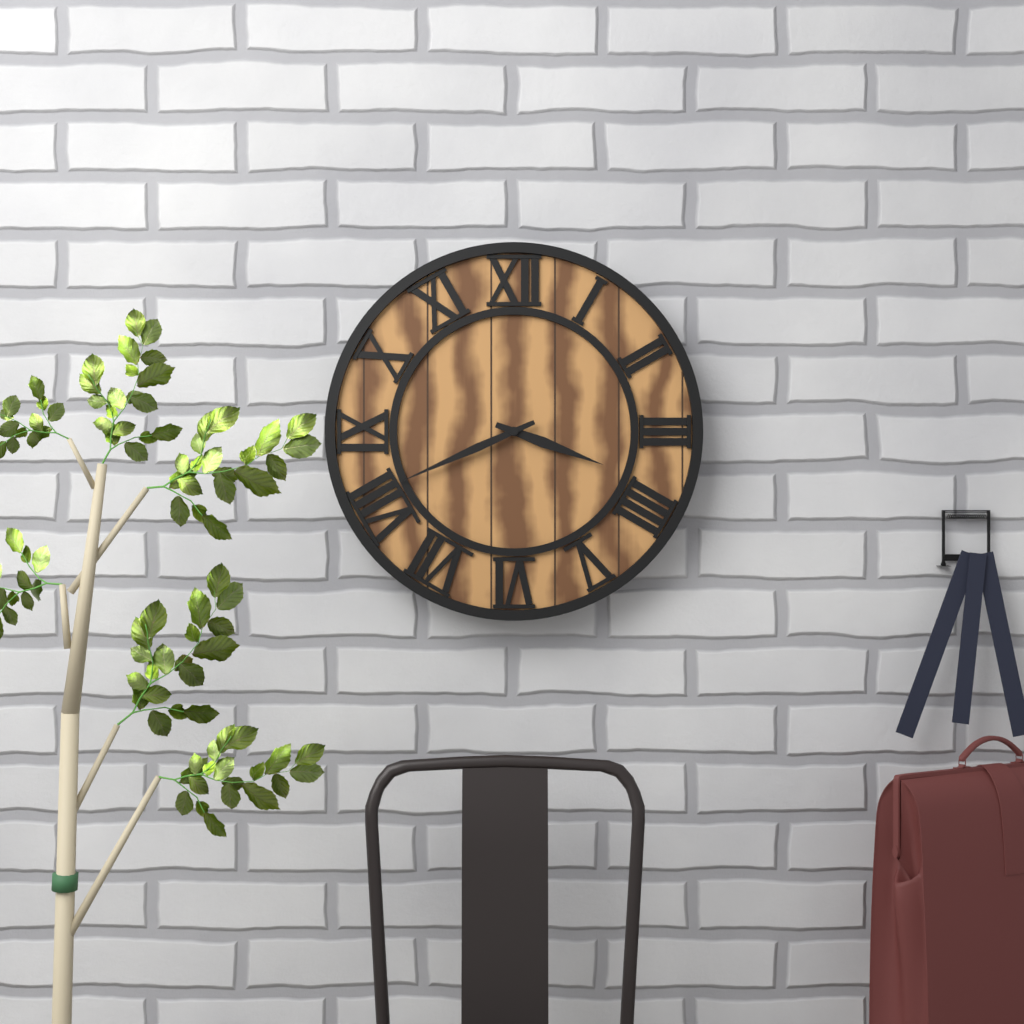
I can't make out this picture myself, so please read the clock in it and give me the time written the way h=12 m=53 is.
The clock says h=3 m=41
